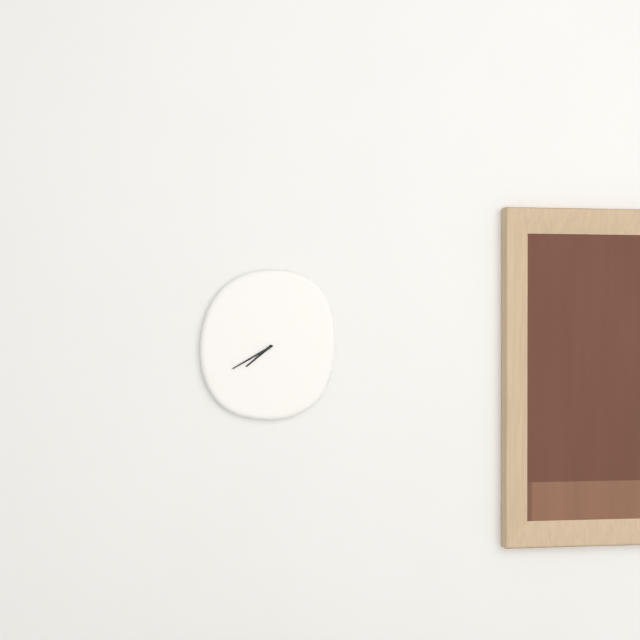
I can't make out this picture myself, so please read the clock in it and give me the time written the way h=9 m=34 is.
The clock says h=7 m=40
